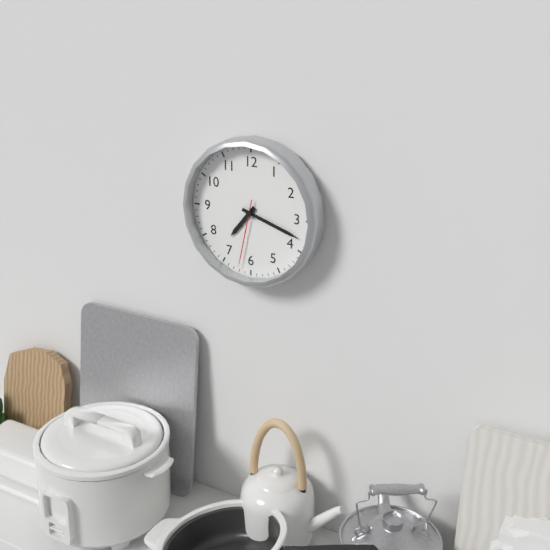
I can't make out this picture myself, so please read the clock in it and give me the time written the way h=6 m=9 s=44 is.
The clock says h=7 m=18 s=32
